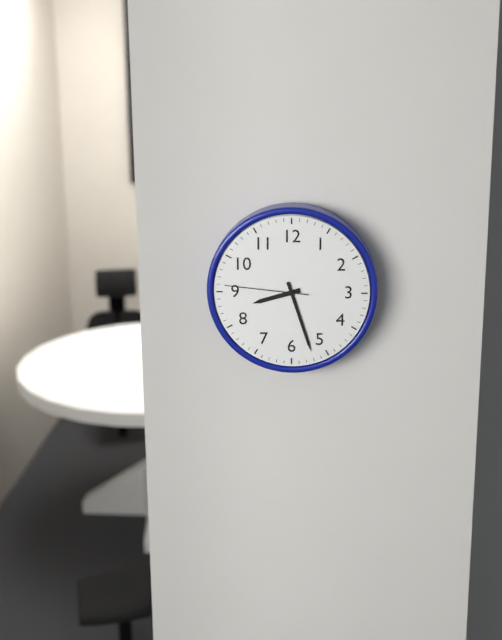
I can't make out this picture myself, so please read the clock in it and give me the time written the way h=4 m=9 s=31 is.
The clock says h=8 m=27 s=46
